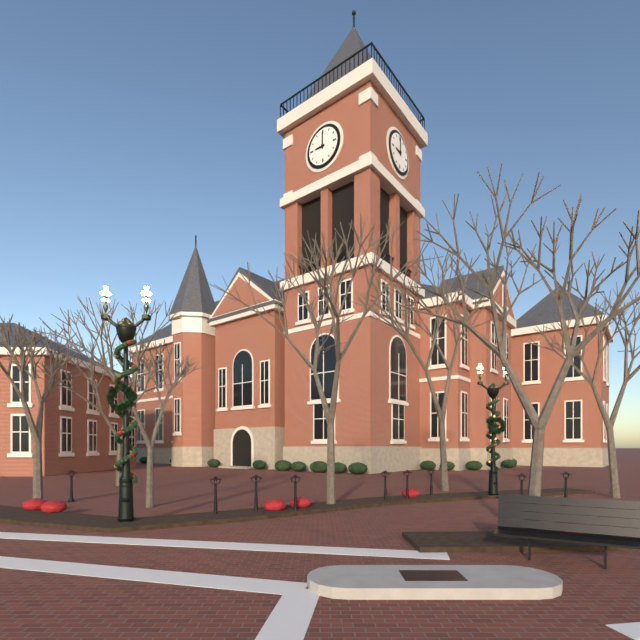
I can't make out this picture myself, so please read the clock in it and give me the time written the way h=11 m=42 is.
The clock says h=9 m=0
